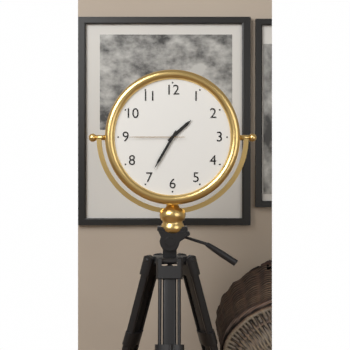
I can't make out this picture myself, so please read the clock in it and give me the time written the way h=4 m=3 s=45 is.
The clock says h=1 m=35 s=45
